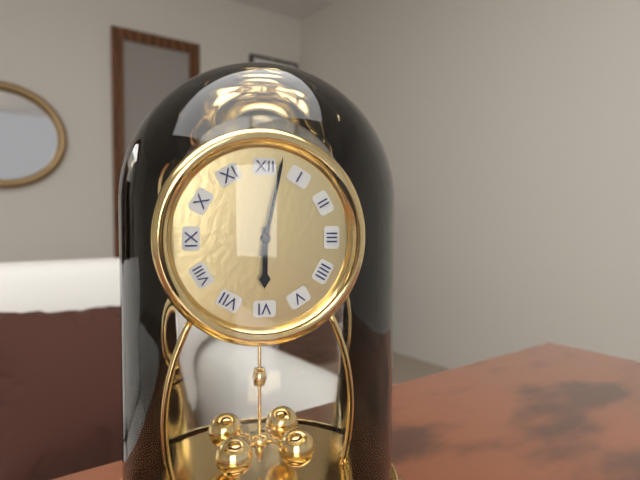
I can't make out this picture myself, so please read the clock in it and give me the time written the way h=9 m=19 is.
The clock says h=6 m=2
